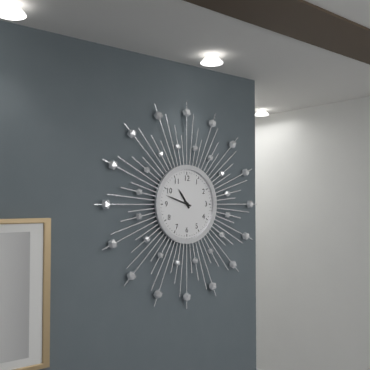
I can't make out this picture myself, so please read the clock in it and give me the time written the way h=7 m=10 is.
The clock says h=10 m=48
